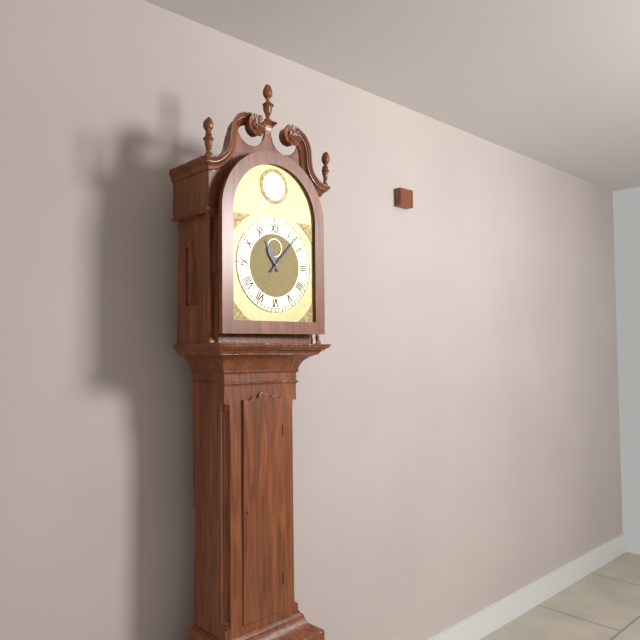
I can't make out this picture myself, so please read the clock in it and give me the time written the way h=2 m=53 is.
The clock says h=11 m=7
